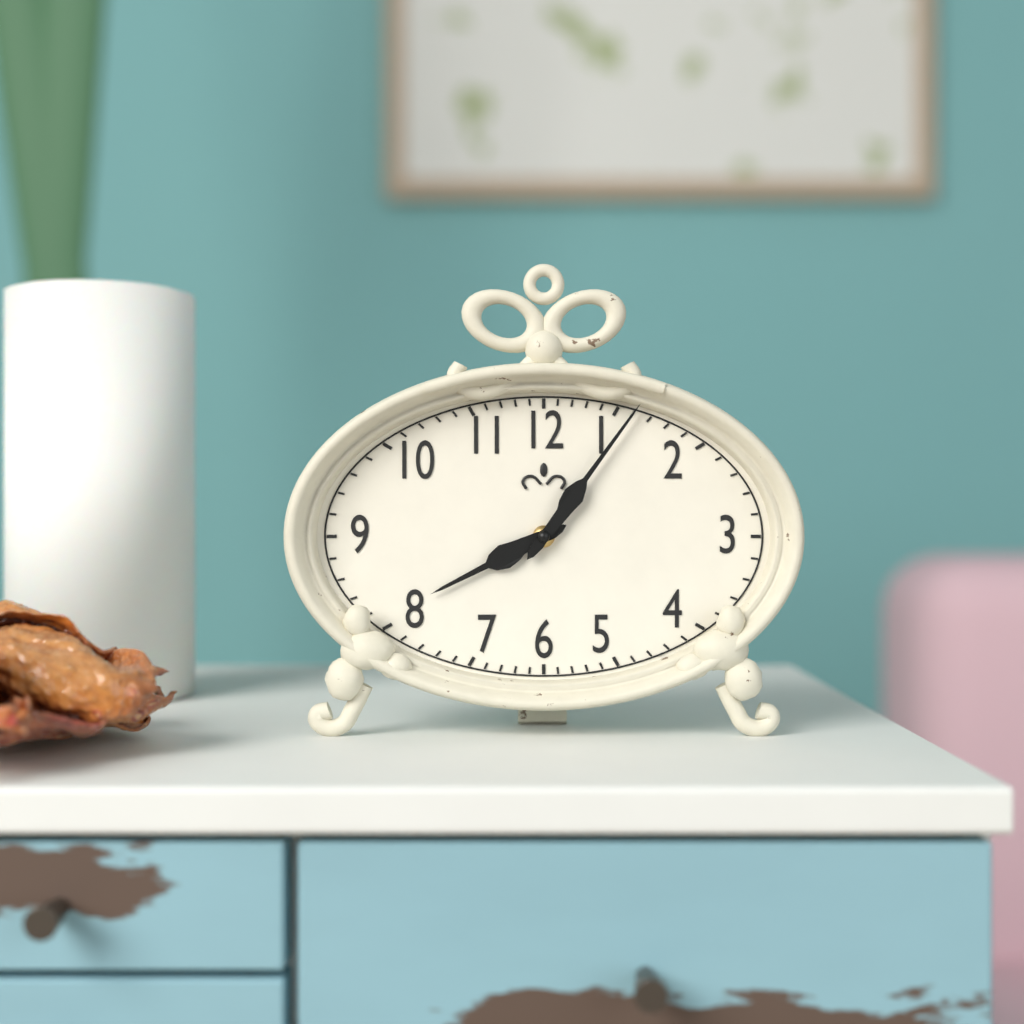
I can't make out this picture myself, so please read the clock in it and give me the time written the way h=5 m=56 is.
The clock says h=8 m=6
